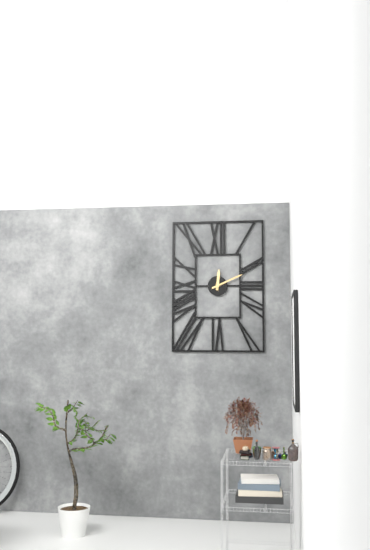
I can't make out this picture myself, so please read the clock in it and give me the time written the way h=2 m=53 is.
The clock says h=12 m=11
